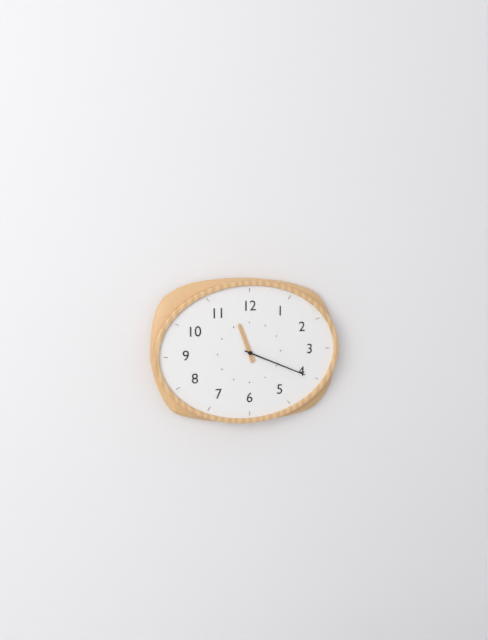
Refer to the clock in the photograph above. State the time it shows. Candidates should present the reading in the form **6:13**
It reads **11:19**
